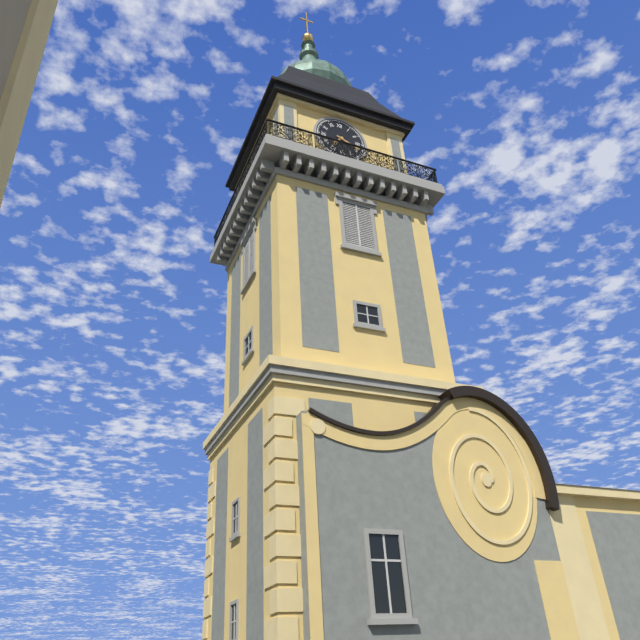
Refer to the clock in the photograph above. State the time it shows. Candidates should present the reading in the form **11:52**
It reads **7:19**
